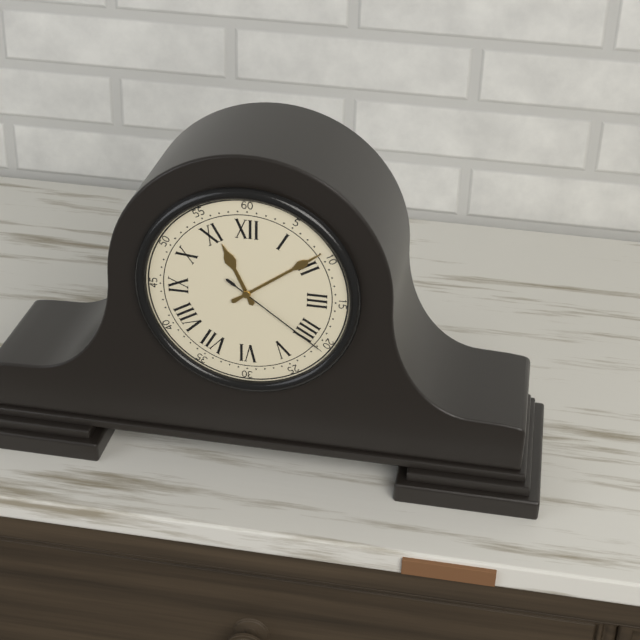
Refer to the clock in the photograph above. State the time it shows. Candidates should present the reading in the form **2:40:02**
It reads **11:09:21**
